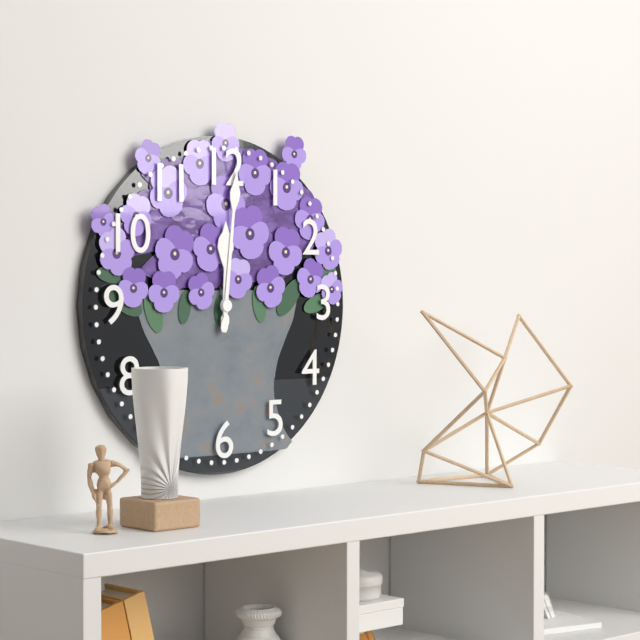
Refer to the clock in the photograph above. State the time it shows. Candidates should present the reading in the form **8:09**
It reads **12:01**
